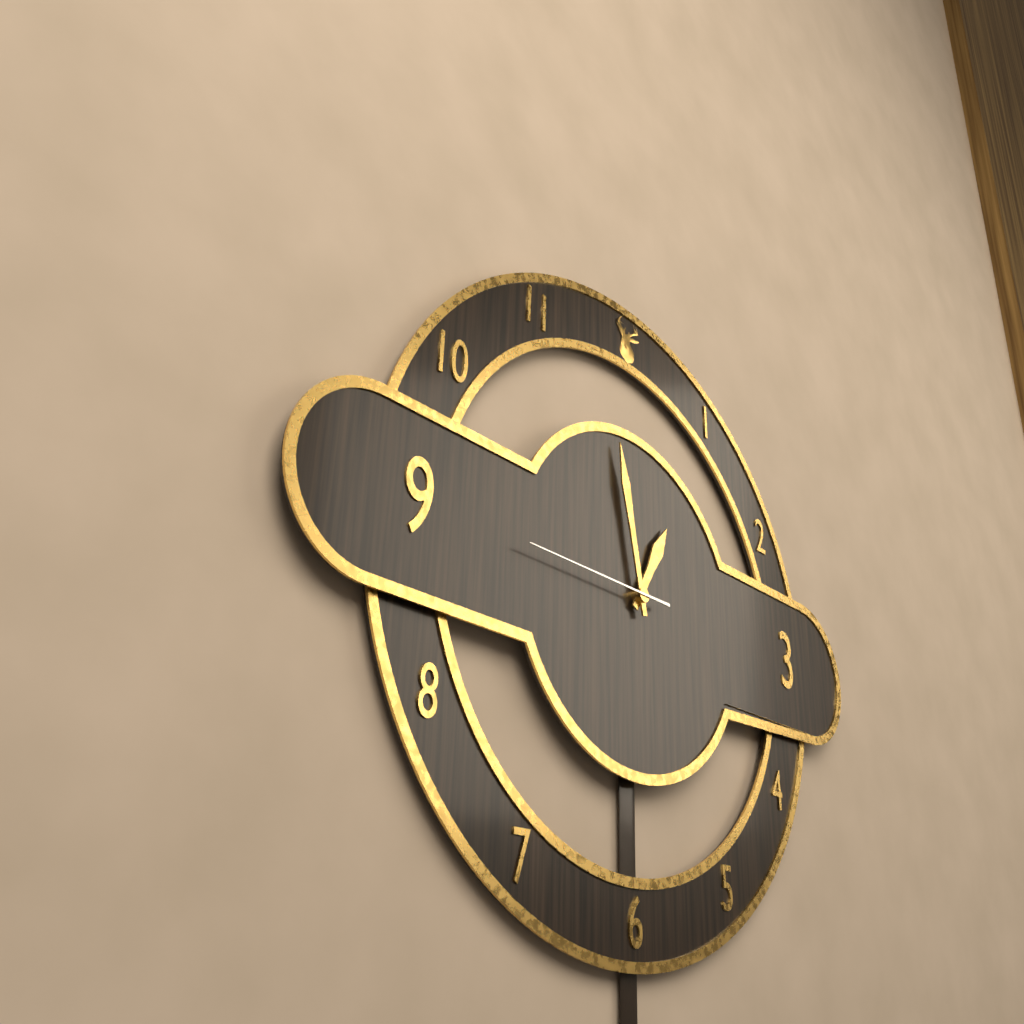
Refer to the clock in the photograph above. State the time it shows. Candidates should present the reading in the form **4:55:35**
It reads **12:58:45**
